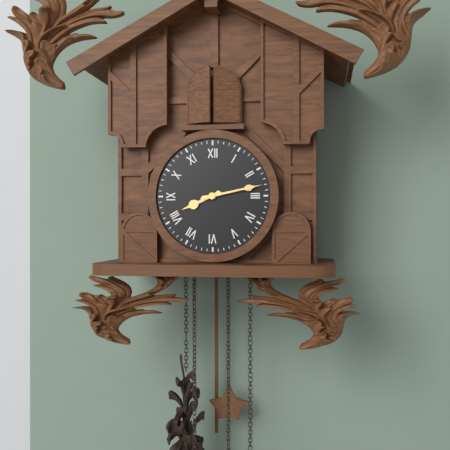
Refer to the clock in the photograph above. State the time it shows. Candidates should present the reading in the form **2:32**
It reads **8:13**
